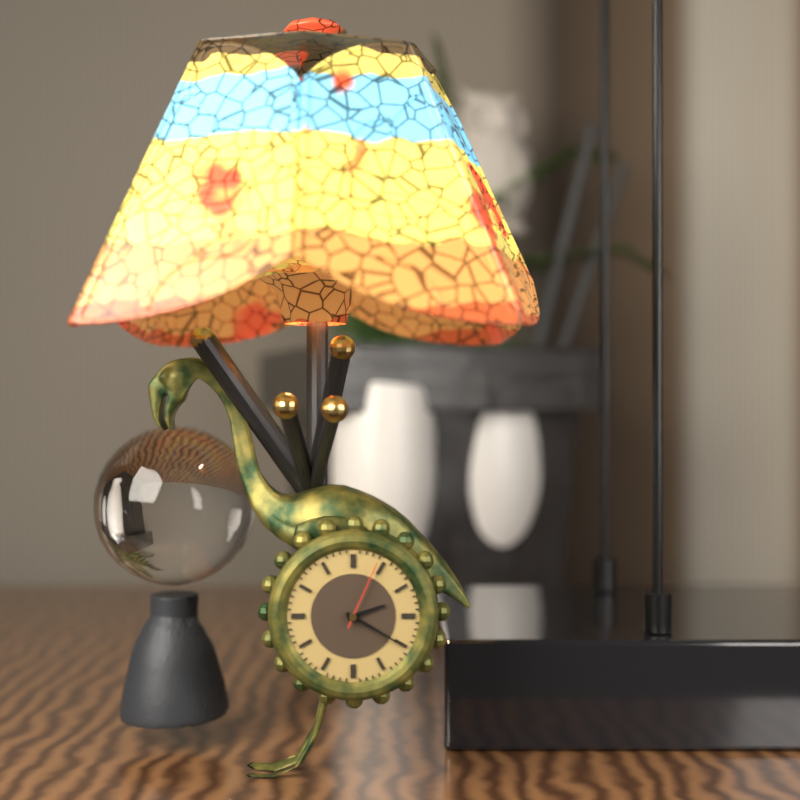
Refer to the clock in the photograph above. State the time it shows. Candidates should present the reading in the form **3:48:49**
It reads **2:20:04**
